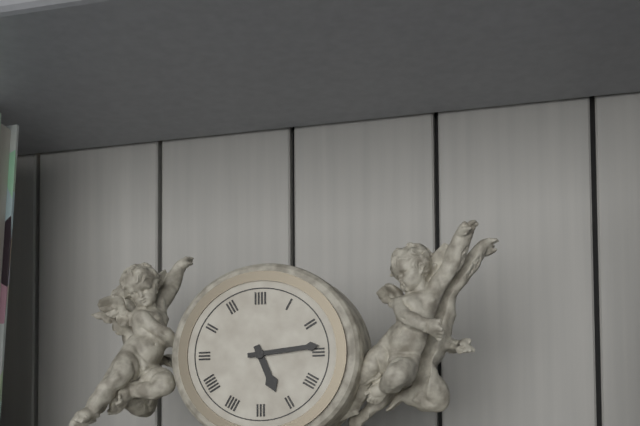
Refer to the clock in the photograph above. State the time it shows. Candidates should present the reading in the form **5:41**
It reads **5:14**
